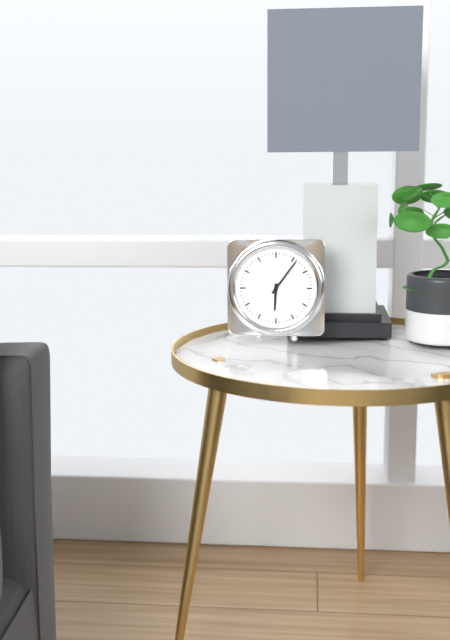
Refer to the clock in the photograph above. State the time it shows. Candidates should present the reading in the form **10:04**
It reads **6:06**
